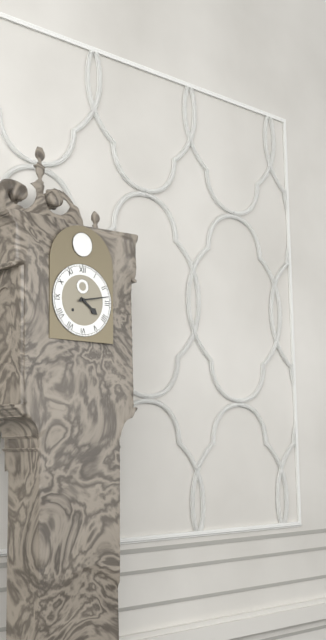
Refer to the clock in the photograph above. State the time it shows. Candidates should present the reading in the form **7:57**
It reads **4:13**
